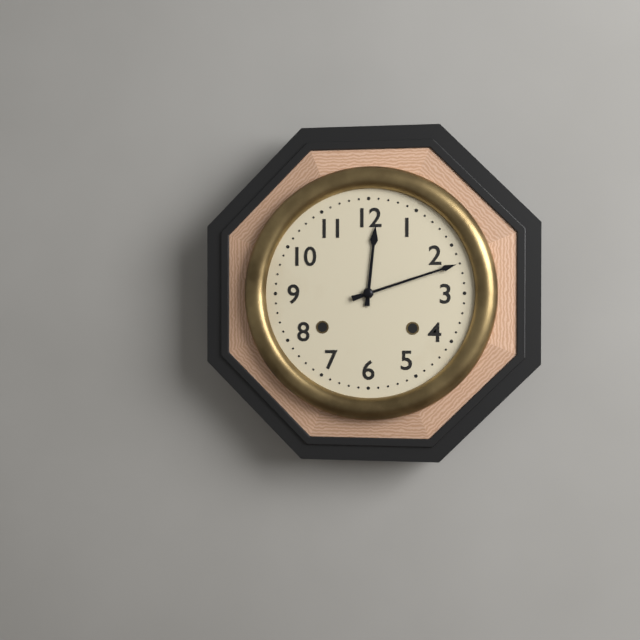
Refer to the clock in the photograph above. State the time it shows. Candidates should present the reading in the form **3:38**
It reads **12:12**
